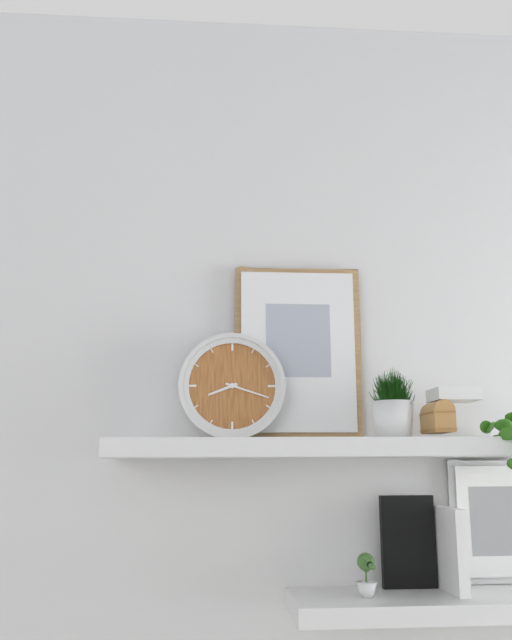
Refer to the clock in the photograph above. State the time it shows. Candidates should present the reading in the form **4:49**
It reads **8:18**
